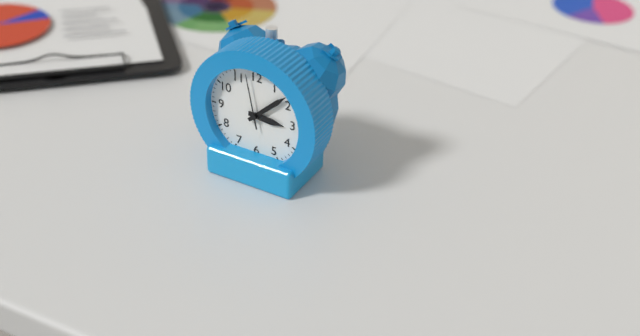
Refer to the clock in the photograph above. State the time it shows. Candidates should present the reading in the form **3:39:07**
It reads **3:08:58**
